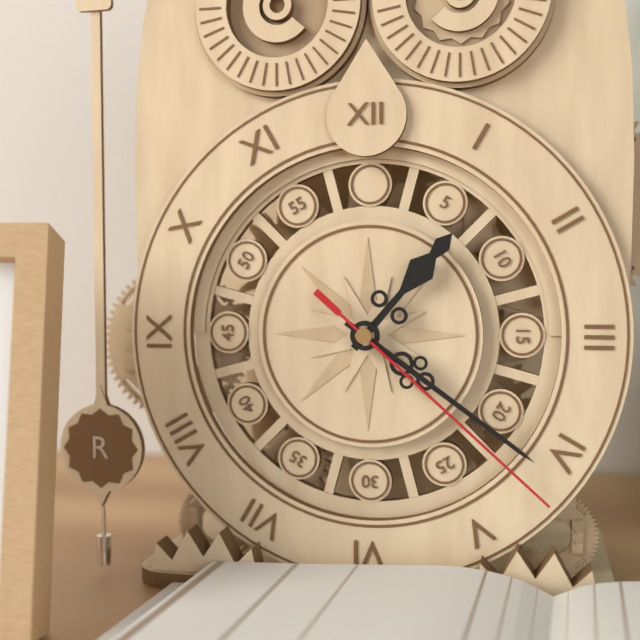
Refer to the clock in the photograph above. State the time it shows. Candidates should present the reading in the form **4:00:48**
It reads **1:21:22**
